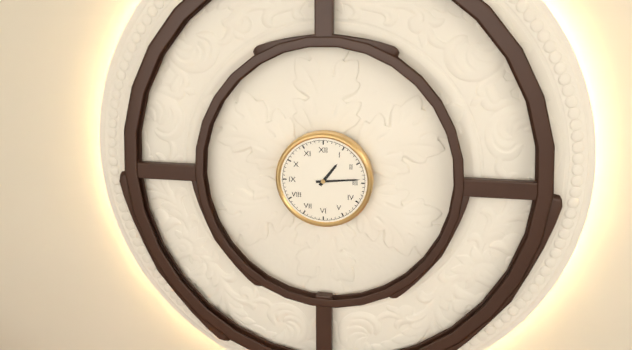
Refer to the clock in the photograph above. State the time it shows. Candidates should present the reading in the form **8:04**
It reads **1:14**
